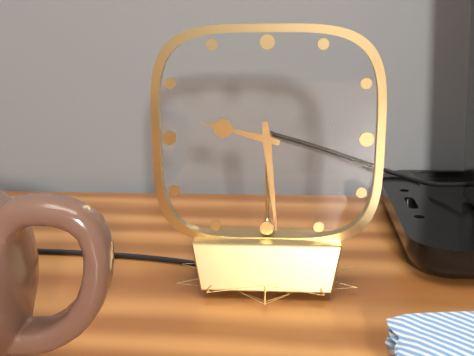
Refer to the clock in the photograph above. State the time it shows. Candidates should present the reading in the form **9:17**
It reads **9:29**
